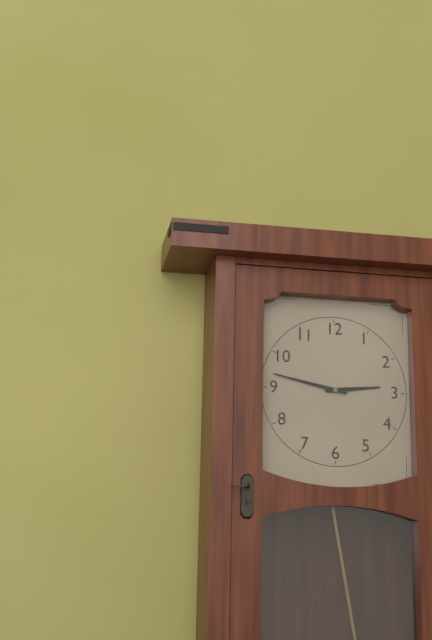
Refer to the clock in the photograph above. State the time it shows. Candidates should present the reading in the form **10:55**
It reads **2:47**
